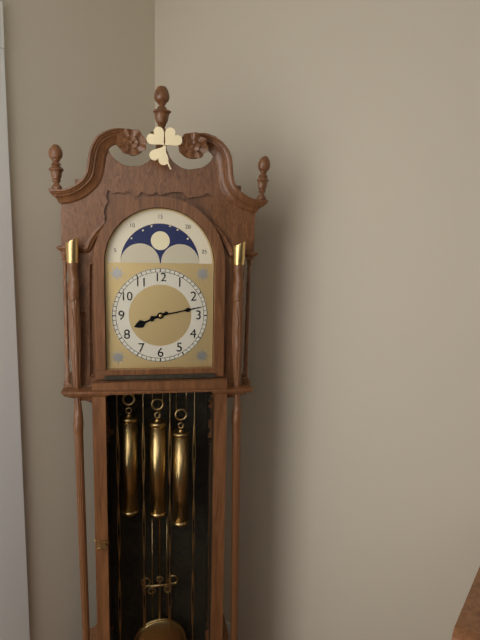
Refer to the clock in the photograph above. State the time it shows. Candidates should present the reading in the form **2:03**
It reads **8:13**
